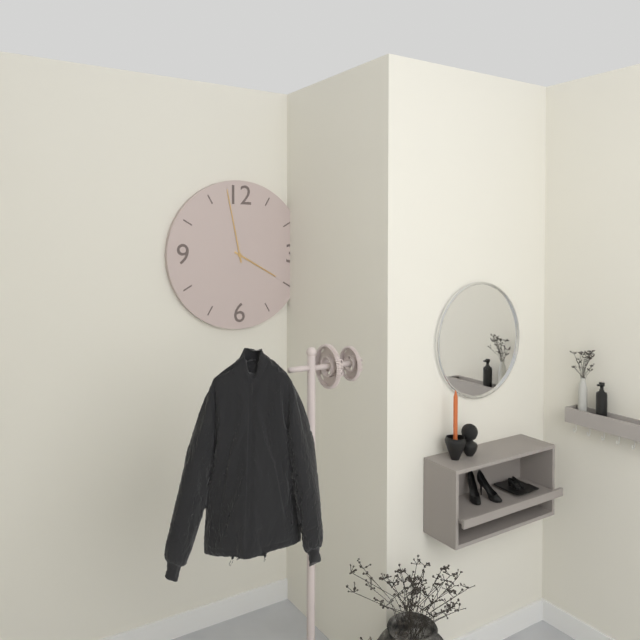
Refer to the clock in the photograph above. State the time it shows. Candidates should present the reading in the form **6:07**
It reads **3:58**
